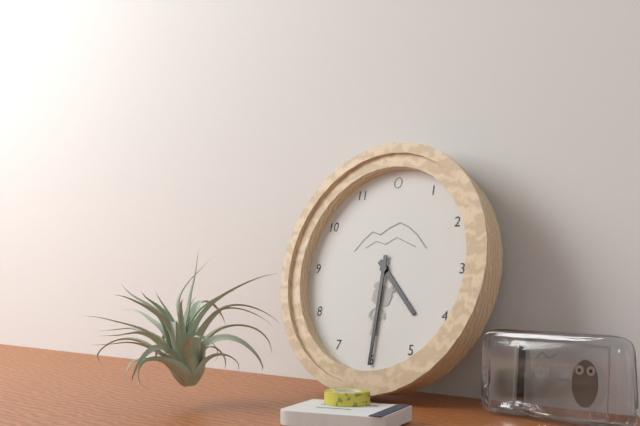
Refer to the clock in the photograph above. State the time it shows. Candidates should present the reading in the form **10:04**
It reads **4:30**
